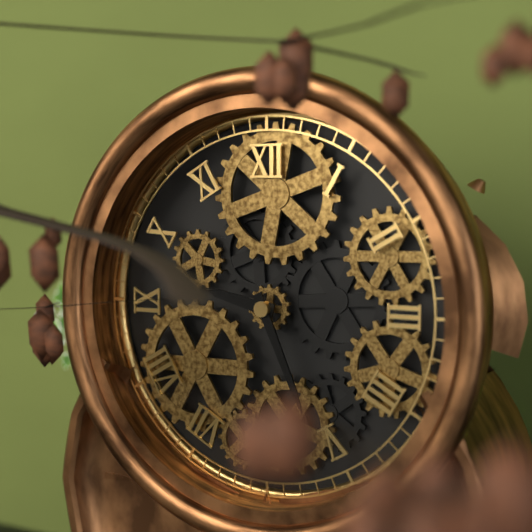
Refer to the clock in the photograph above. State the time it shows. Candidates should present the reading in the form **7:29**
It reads **9:26**
